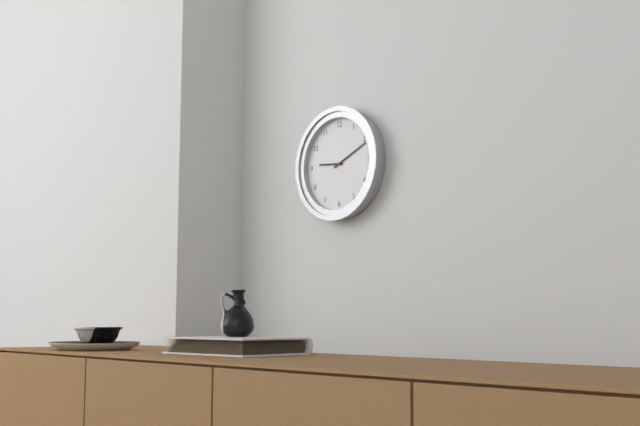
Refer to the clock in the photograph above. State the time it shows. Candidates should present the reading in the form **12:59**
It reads **9:11**
